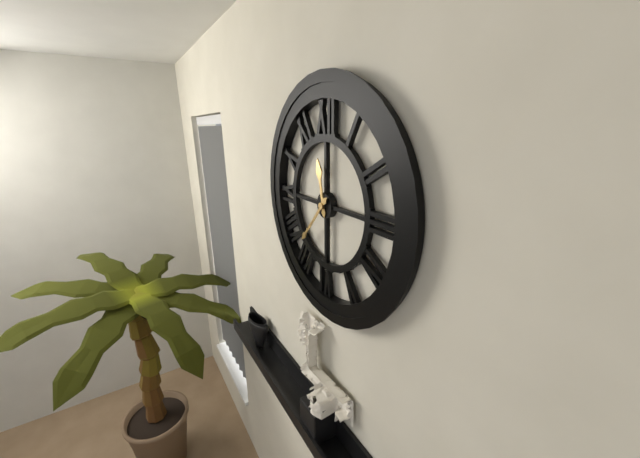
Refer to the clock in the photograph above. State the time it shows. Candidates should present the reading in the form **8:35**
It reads **11:37**
